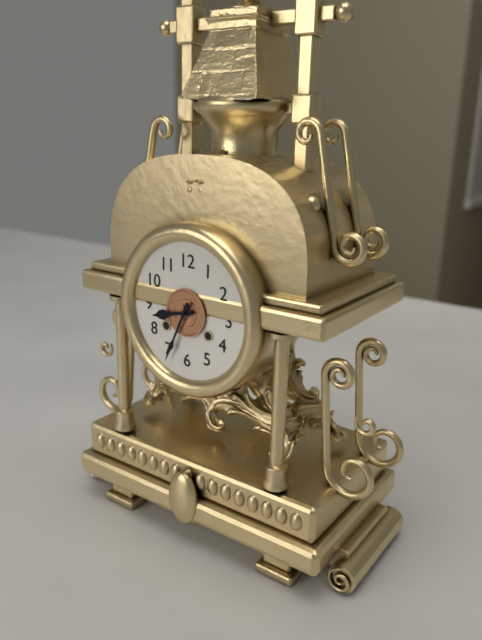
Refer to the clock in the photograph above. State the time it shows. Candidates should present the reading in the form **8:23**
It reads **8:34**
